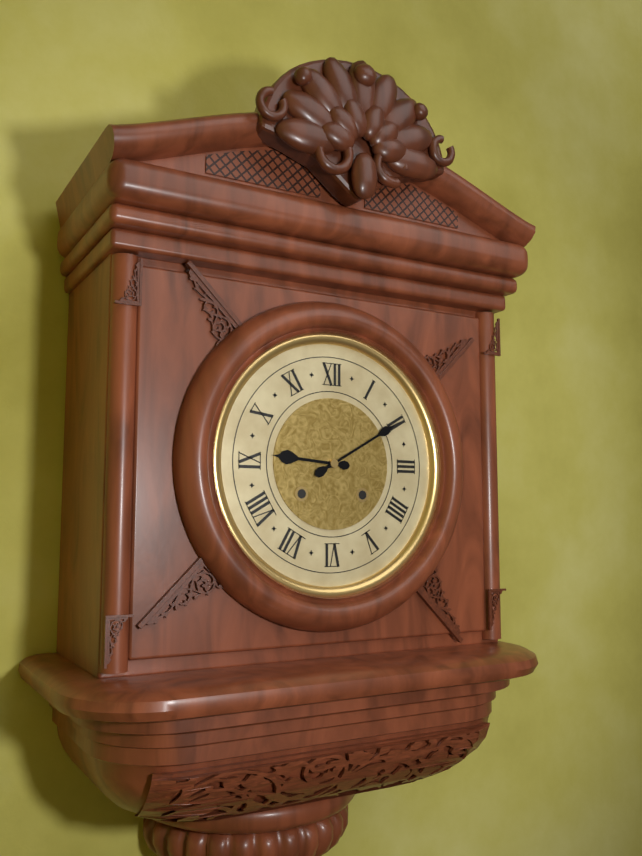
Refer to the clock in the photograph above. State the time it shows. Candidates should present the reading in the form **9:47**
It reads **9:10**
